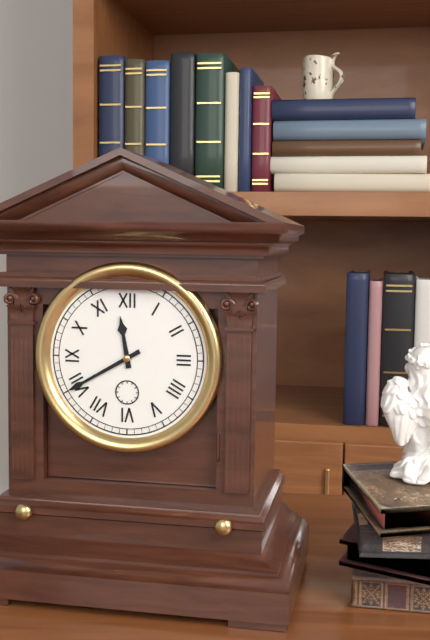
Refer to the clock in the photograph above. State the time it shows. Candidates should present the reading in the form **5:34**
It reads **11:40**
